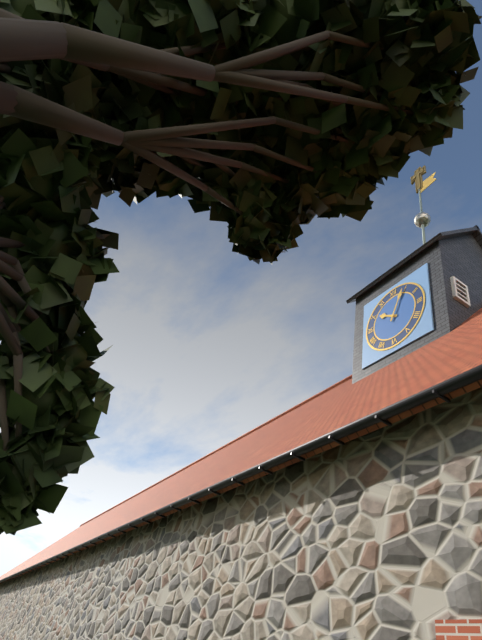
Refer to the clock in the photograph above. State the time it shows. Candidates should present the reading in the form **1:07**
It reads **10:04**
